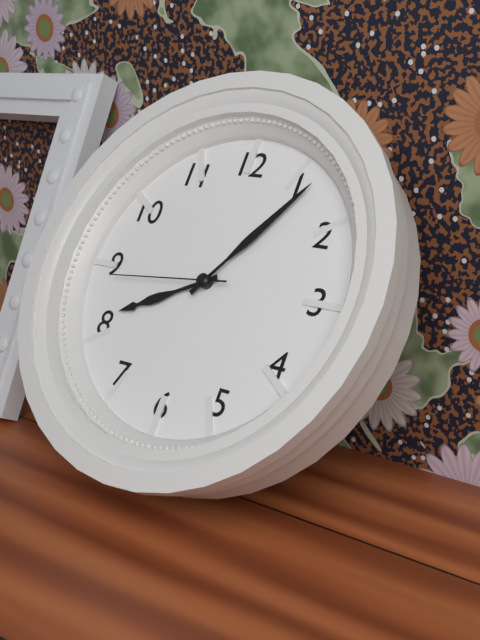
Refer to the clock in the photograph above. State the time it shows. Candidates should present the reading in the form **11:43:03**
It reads **8:06:44**
